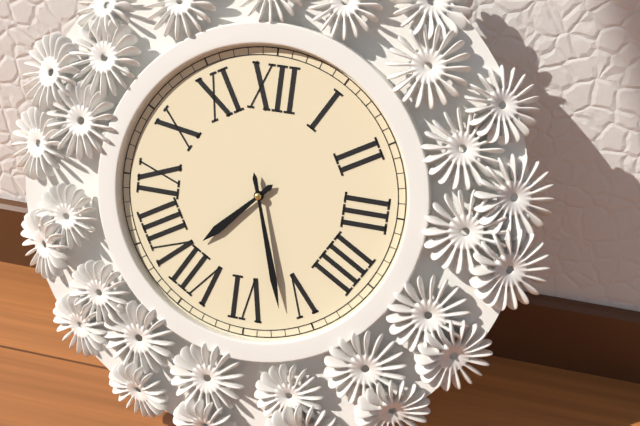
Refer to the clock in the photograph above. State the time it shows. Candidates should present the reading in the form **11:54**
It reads **7:27**
